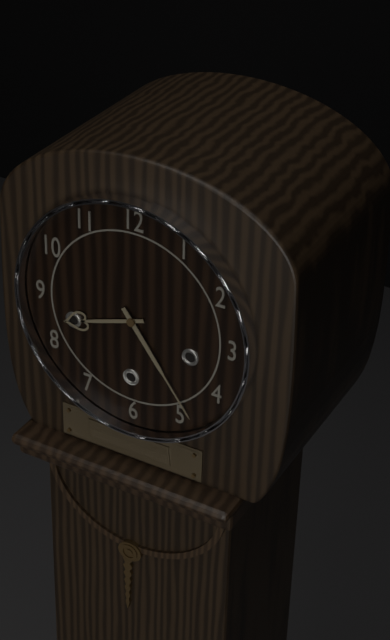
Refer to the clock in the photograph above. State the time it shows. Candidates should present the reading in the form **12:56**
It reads **8:24**
